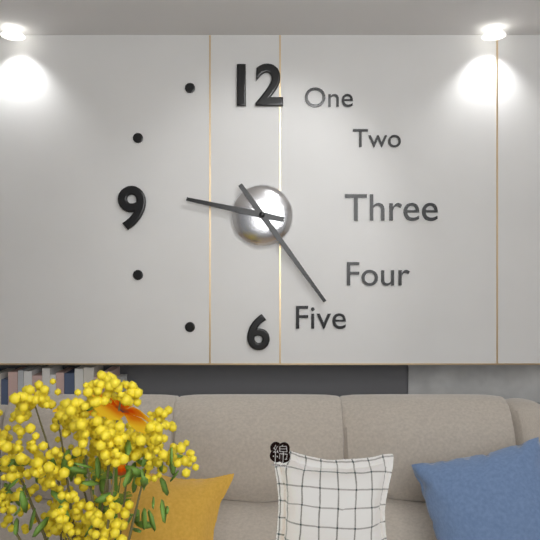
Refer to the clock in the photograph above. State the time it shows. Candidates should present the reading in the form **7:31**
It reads **9:24**
